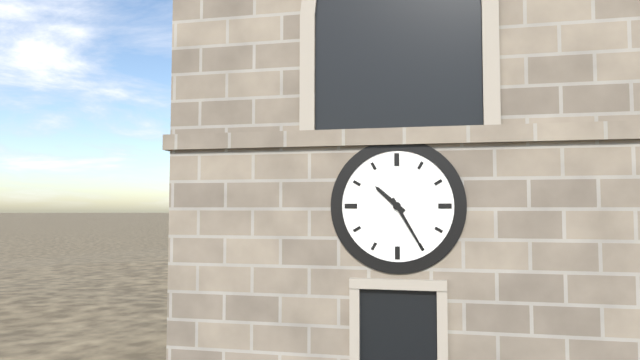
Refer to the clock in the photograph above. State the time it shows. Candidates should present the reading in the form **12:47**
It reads **10:25**
